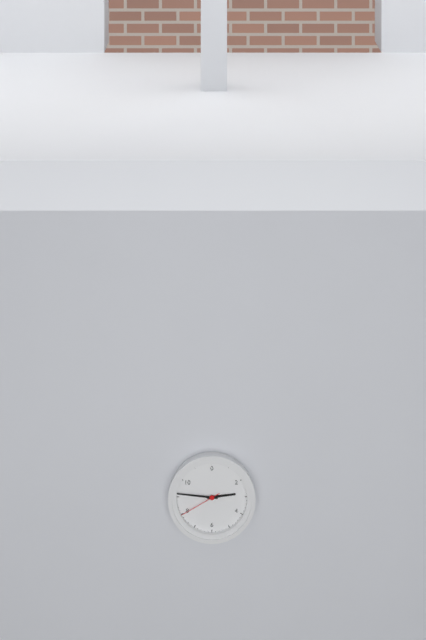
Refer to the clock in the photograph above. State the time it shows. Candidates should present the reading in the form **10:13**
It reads **2:46**
